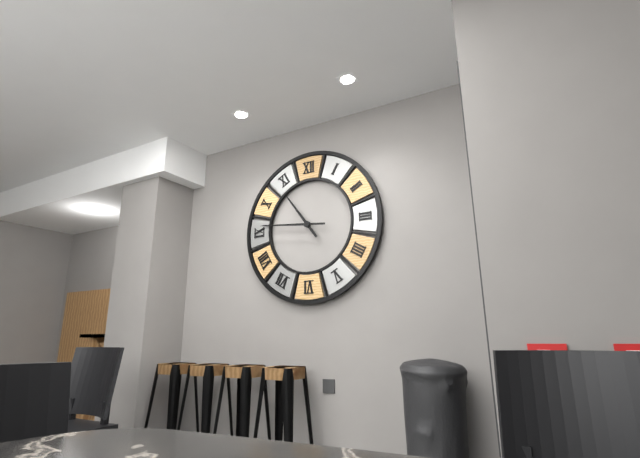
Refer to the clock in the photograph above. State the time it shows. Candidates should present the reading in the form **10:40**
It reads **10:46**
